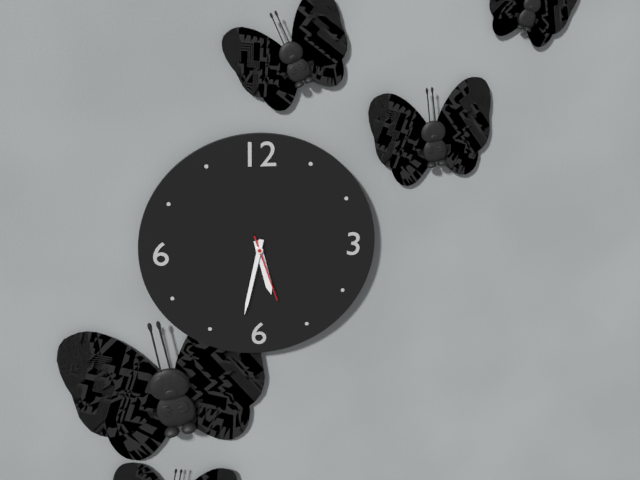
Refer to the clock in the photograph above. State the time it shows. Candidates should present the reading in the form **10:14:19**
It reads **5:32:27**
